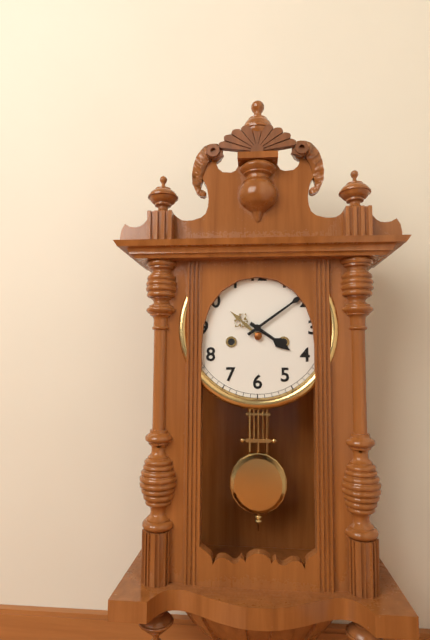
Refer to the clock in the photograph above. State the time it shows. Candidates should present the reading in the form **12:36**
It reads **4:09**
